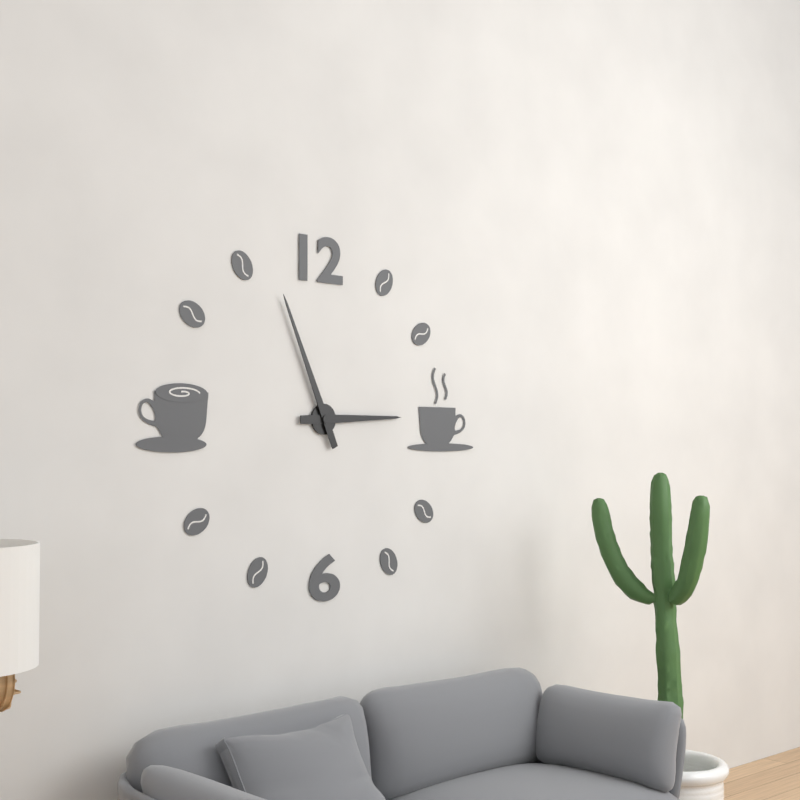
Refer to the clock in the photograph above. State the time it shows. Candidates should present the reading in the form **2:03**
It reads **2:56**
